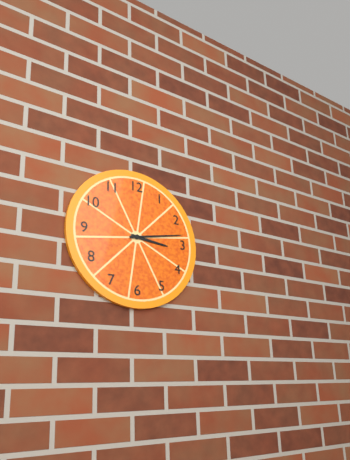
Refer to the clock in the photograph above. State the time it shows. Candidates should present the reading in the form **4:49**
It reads **3:13**
